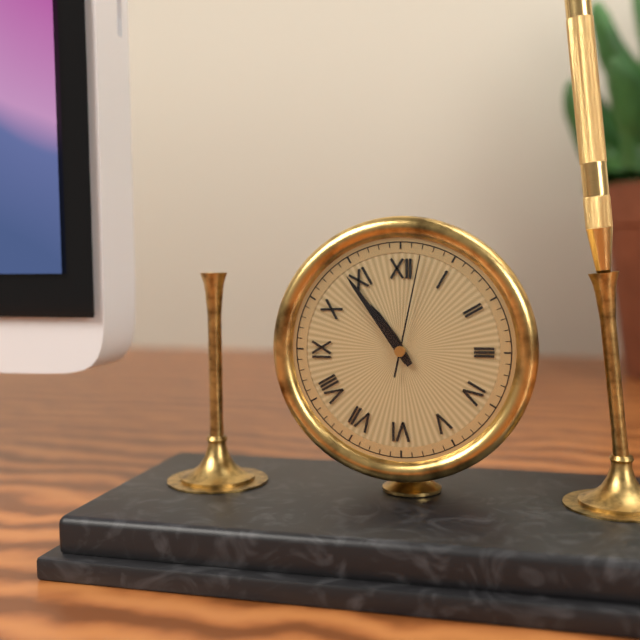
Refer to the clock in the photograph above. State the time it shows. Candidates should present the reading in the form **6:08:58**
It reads **10:54:02**
